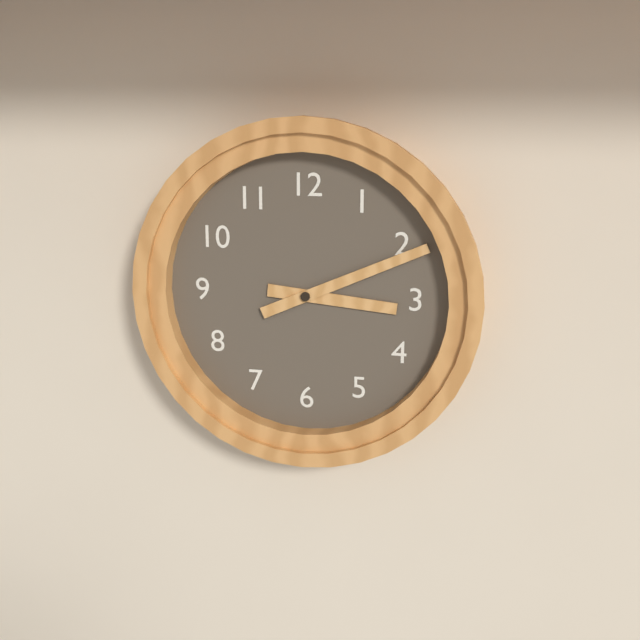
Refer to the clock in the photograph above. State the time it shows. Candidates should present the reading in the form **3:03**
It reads **3:11**
